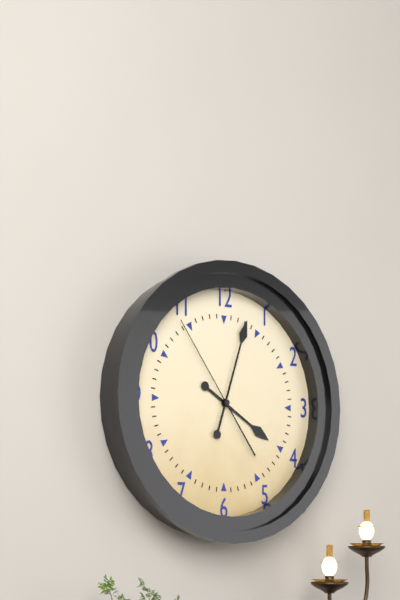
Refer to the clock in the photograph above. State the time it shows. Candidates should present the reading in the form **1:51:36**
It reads **4:03:54**
